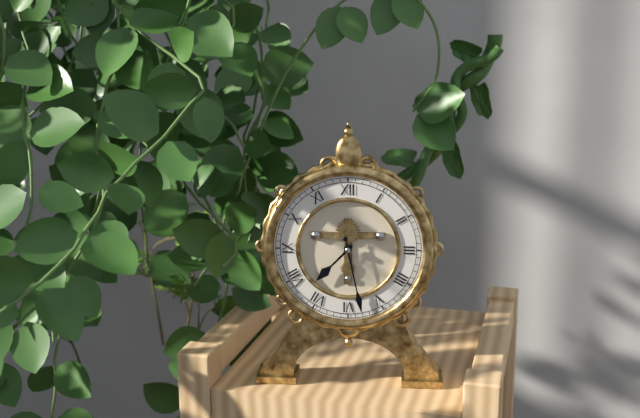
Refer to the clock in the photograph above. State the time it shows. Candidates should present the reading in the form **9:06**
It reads **7:28**
